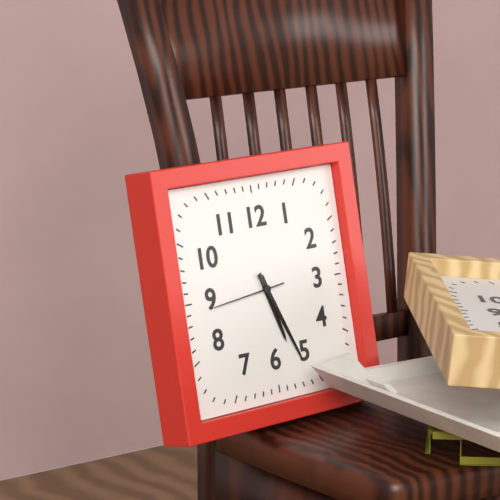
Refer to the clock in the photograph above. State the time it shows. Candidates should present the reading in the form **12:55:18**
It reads **5:26:44**
